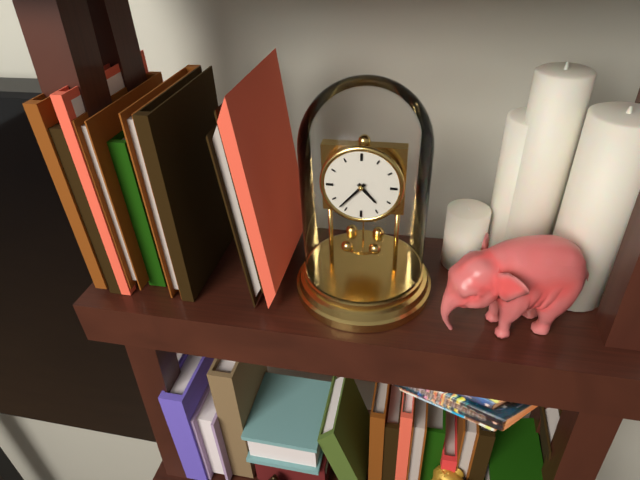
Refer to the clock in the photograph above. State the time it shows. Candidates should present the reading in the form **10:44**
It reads **4:37**
